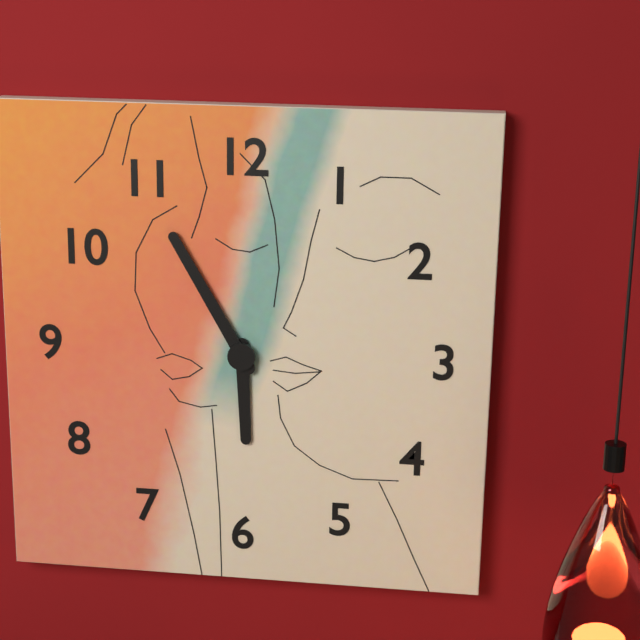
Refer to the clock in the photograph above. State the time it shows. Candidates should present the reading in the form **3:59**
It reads **5:55**
